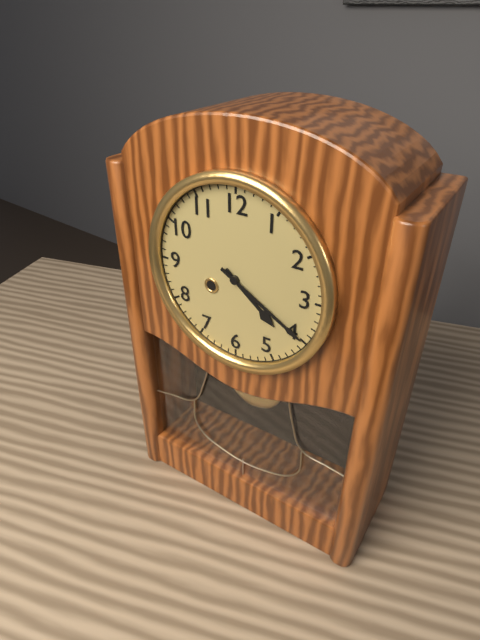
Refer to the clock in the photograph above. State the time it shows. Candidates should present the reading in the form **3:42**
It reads **4:20**
